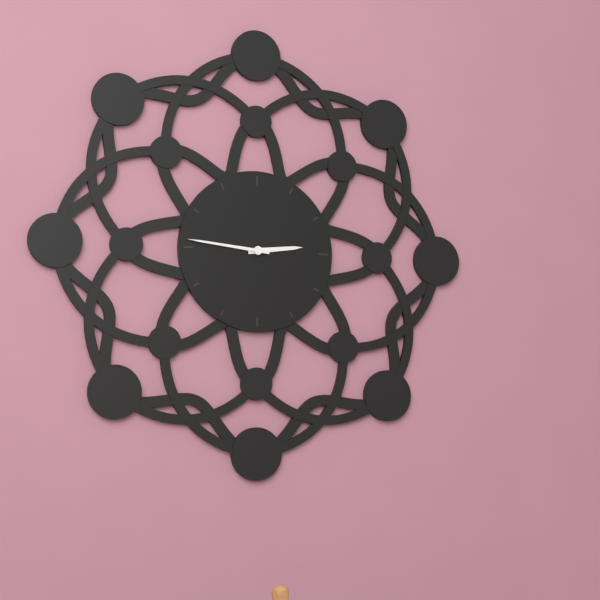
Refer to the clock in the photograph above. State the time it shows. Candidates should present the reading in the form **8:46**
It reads **2:46**
